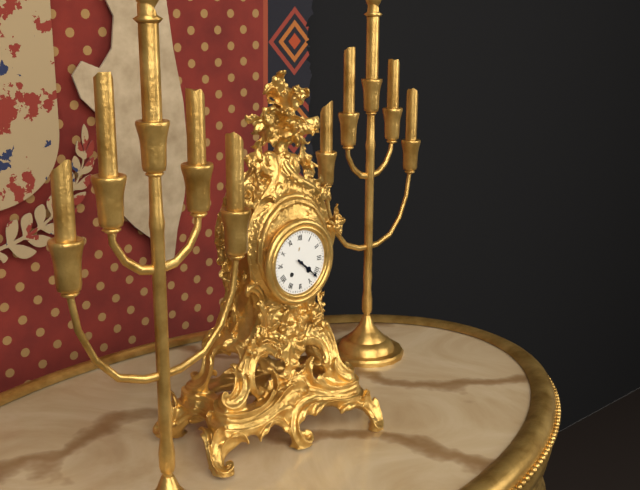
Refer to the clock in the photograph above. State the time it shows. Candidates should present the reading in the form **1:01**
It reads **4:22**
